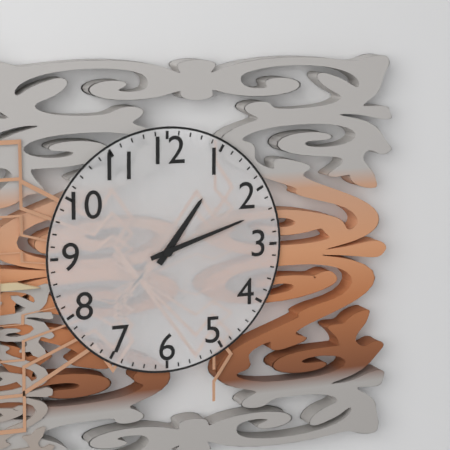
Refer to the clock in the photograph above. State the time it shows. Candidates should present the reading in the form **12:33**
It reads **1:12**
